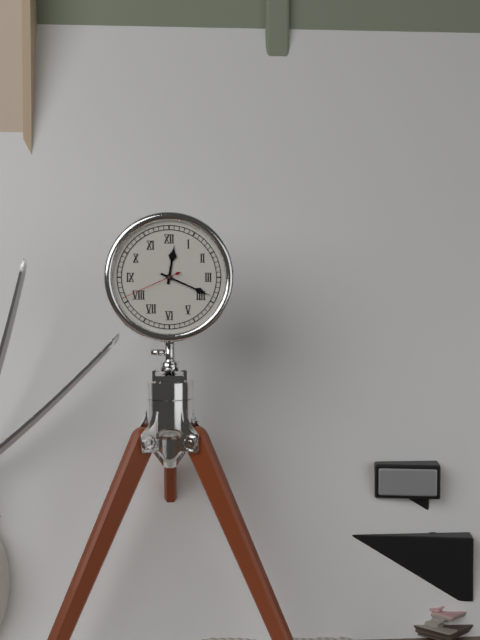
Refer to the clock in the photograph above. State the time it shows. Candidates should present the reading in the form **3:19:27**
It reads **12:19:41**
